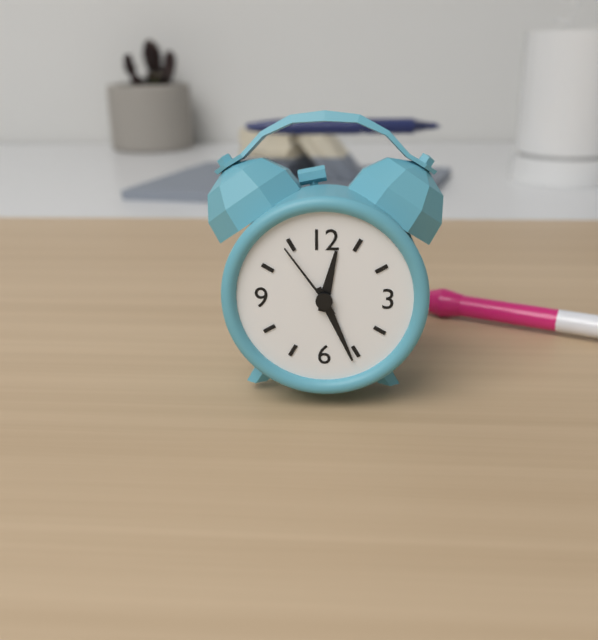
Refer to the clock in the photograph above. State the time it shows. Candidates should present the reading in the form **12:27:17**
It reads **12:26:54**
